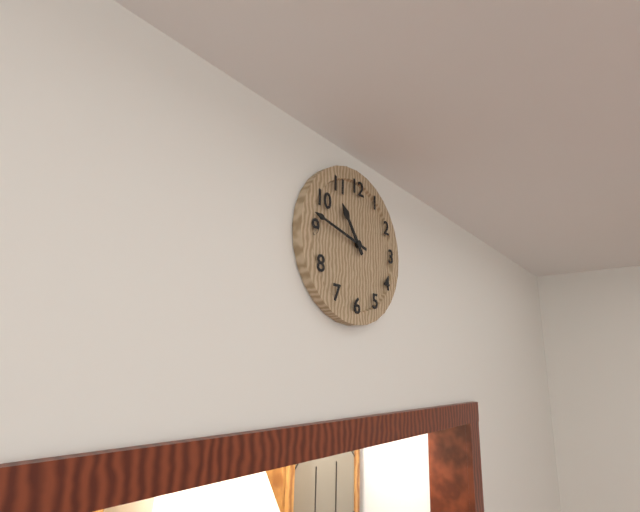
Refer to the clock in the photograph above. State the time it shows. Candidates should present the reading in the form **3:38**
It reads **10:47**
